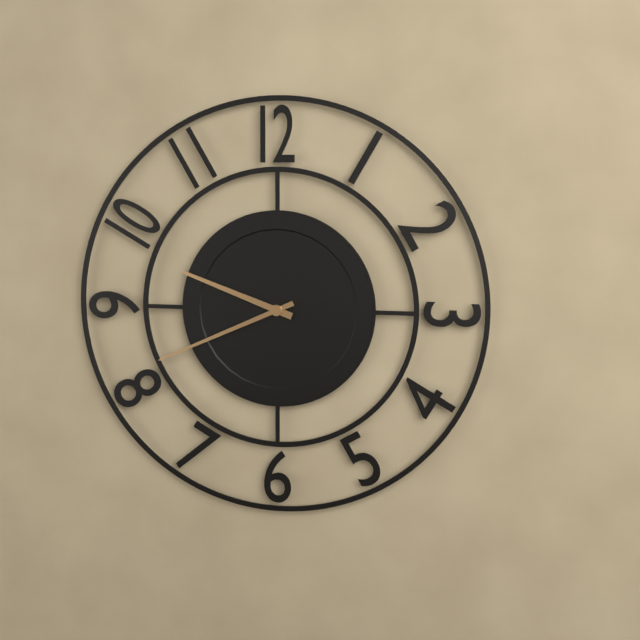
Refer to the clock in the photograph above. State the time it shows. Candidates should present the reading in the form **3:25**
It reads **9:41**
